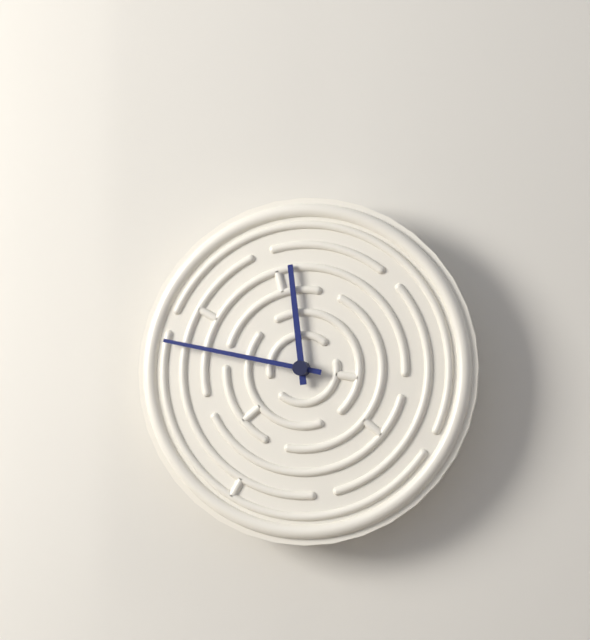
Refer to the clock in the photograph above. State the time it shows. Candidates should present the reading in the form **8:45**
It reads **11:47**
